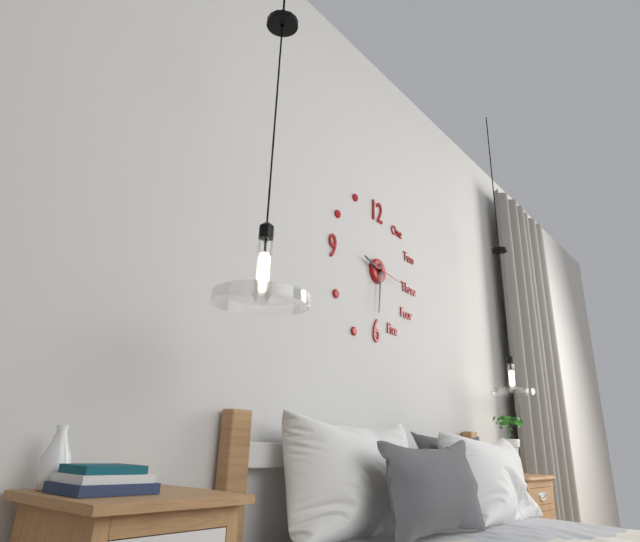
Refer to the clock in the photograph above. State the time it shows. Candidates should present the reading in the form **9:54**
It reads **9:31**
